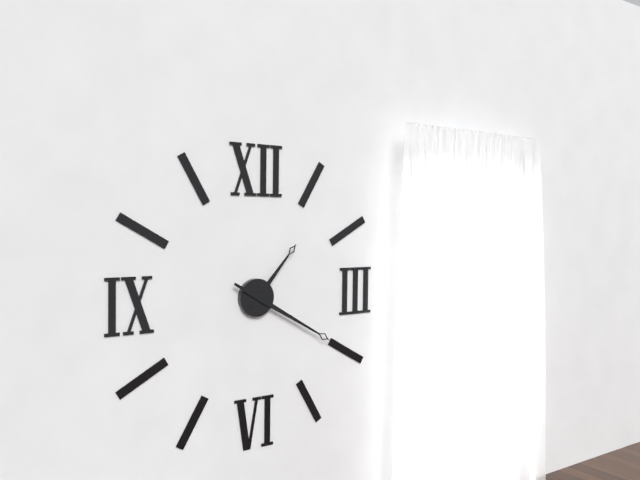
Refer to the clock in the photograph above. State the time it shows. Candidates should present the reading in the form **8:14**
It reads **1:20**
